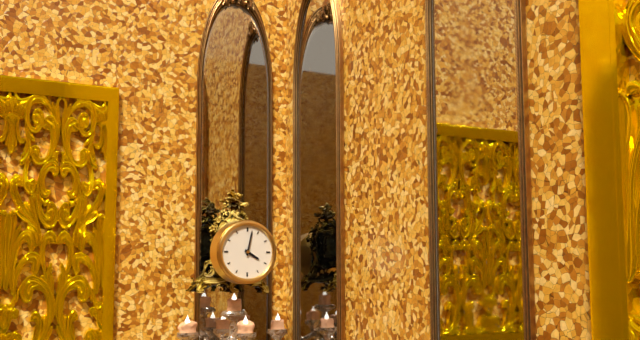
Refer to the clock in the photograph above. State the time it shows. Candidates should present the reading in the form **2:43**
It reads **4:02**
